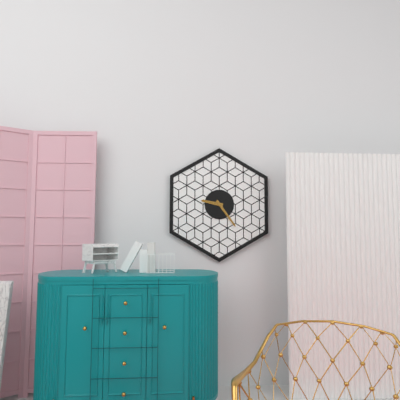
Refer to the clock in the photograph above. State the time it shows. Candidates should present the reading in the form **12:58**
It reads **9:24**
